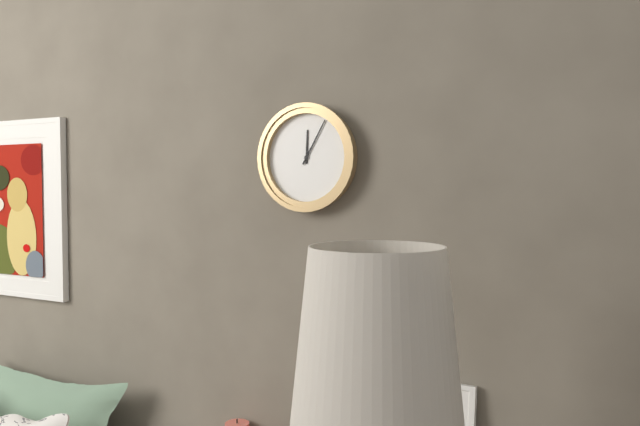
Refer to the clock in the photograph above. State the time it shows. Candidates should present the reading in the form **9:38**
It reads **12:05**
